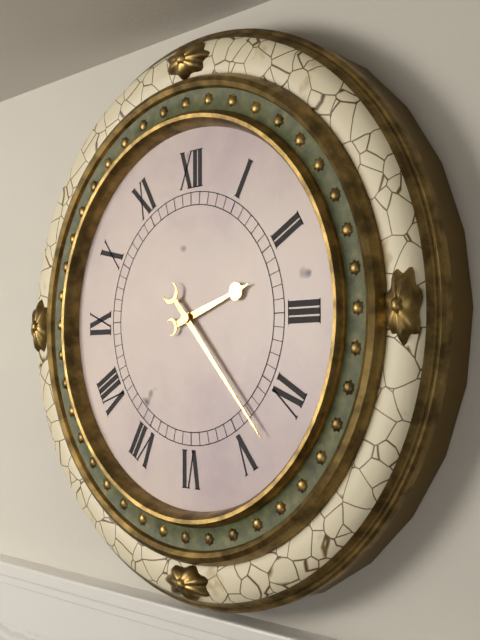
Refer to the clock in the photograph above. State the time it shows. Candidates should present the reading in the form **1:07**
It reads **2:23**
